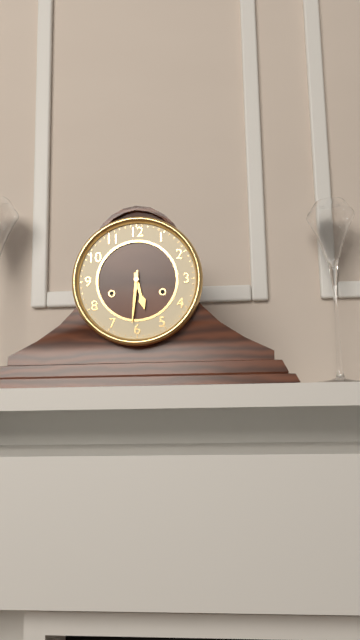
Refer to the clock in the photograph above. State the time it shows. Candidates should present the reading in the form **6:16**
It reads **5:31**
